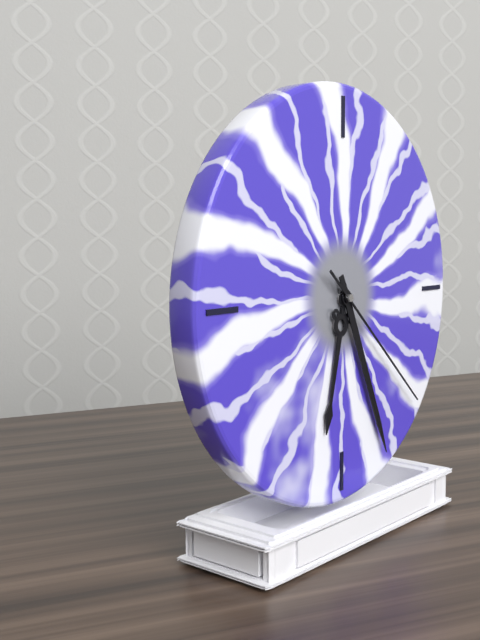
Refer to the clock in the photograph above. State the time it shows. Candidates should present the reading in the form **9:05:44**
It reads **6:26:22**
